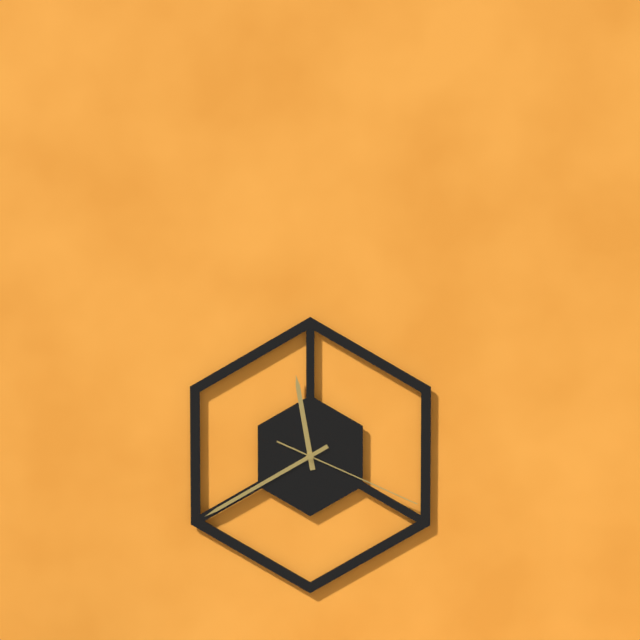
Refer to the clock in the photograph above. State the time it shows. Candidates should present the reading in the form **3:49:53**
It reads **11:40:19**
